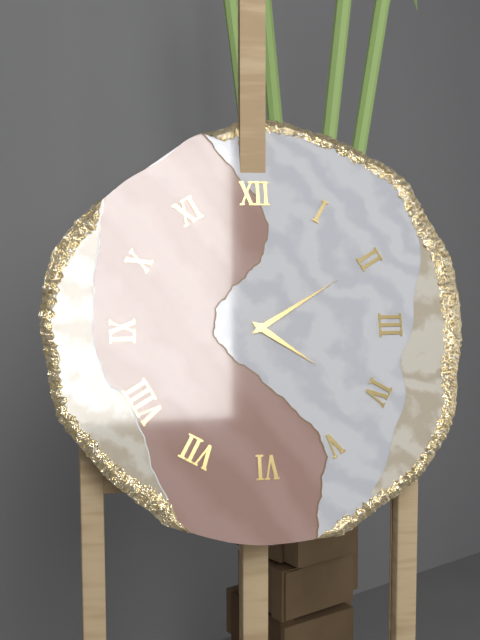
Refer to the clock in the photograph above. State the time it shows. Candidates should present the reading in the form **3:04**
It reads **4:10**
